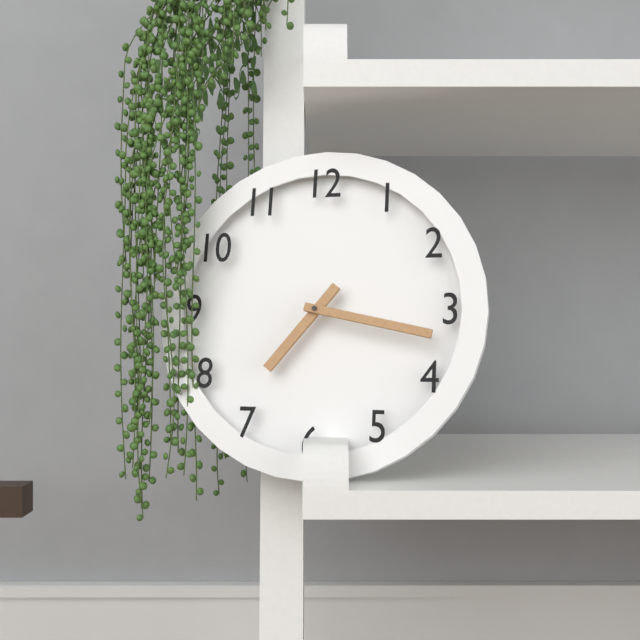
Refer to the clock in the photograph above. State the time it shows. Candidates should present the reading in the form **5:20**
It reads **7:17**
